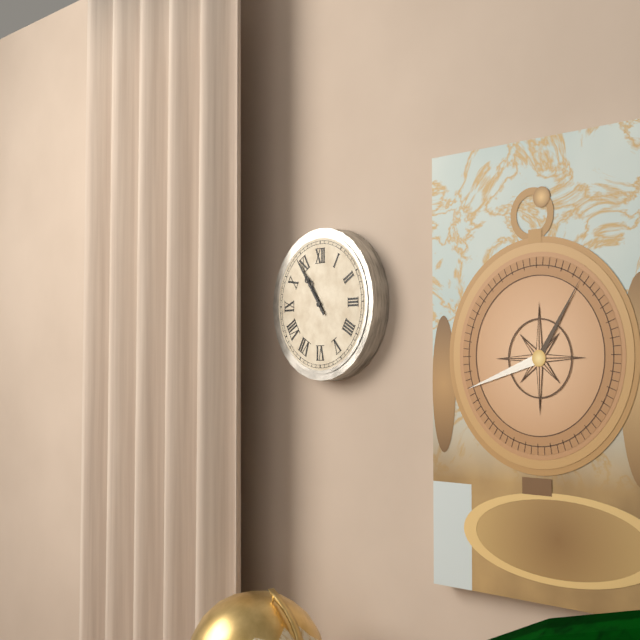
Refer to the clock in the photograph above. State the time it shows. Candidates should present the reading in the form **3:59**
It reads **10:54**
